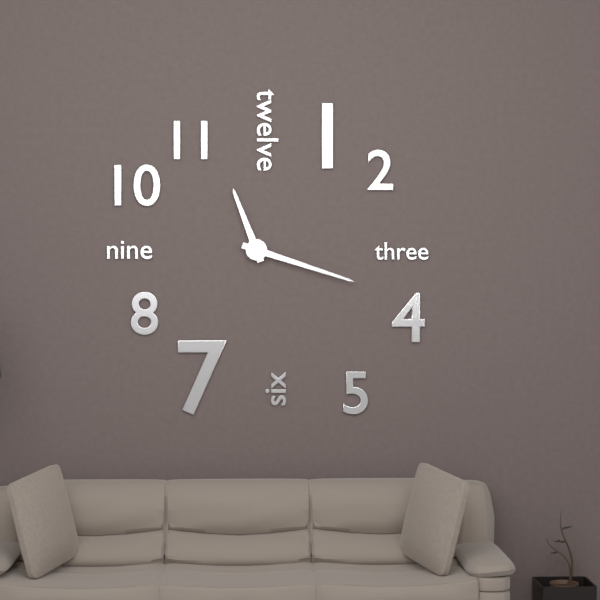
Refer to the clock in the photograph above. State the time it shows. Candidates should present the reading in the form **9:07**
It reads **11:18**
